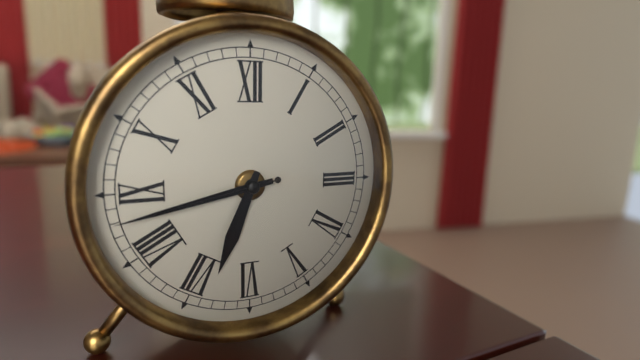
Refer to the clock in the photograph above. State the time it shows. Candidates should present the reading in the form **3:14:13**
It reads **6:43:43**
